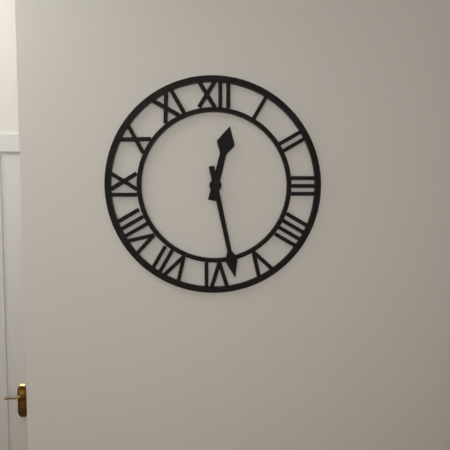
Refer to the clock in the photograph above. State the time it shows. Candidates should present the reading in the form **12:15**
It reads **12:28**
